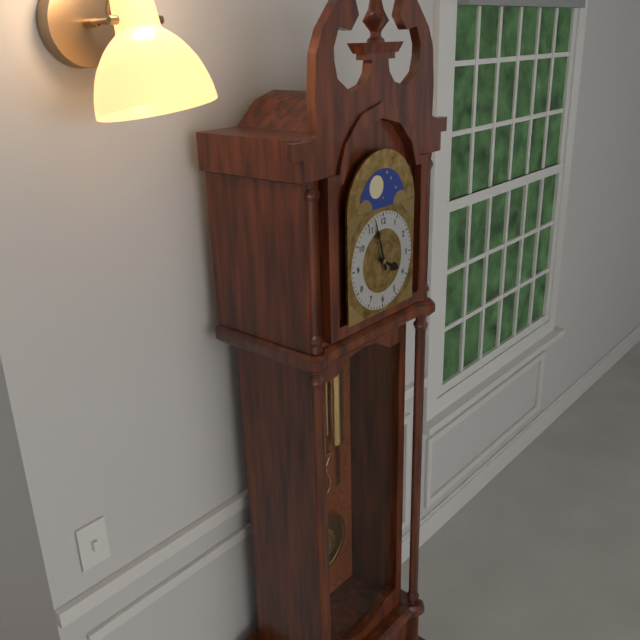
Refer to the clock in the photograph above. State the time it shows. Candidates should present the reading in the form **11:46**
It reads **3:57**
